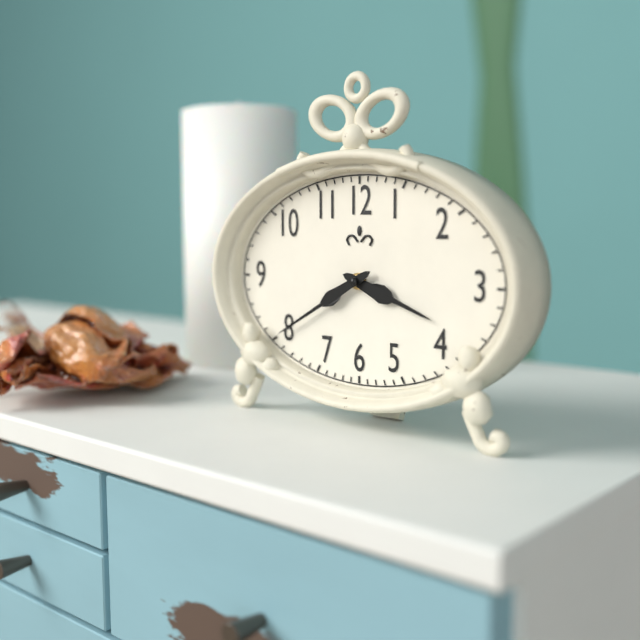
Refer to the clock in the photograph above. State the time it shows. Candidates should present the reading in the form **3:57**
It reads **3:40**
